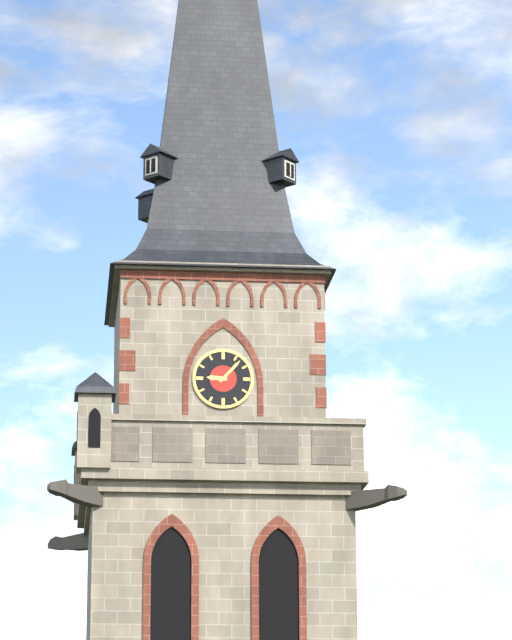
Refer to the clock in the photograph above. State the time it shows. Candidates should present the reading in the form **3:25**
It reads **9:07**
